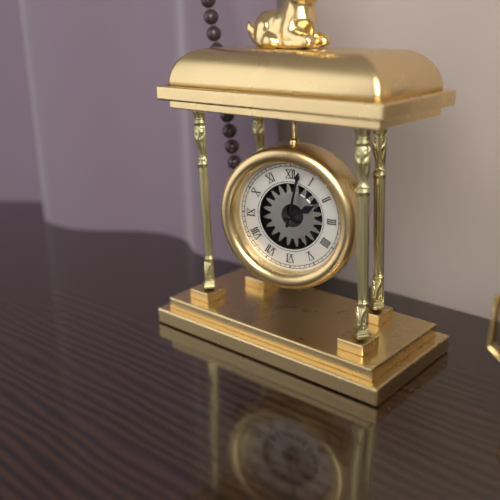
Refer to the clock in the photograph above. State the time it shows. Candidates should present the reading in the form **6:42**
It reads **2:02**
